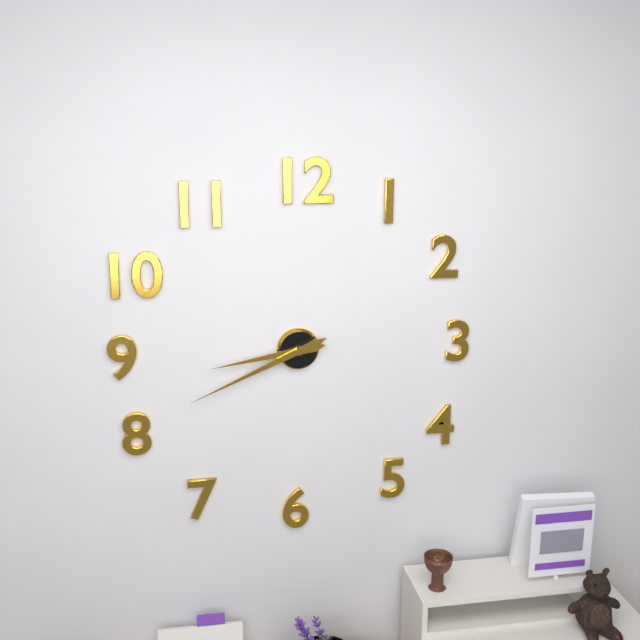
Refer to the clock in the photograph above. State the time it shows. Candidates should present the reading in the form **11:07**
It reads **8:41**
